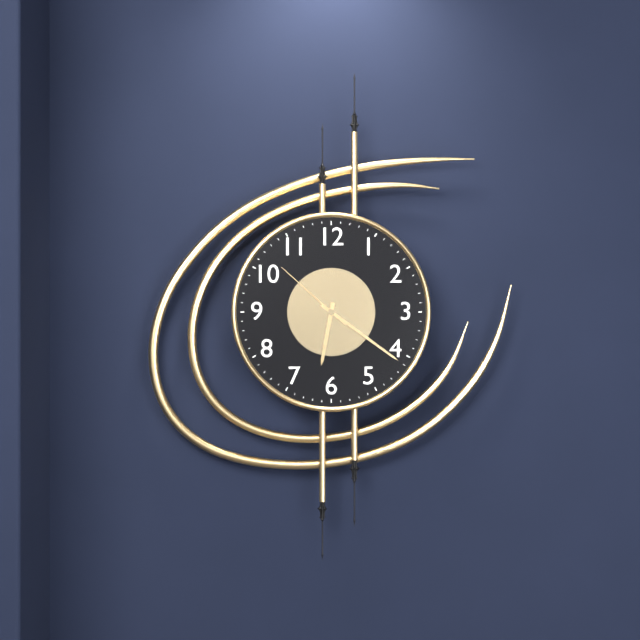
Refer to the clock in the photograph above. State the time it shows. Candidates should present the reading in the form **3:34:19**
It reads **6:21:52**
